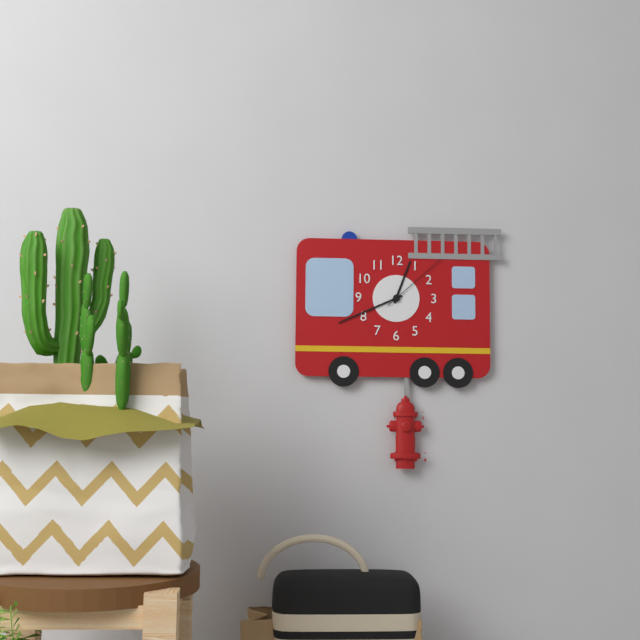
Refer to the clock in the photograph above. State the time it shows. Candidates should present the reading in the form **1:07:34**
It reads **12:41:08**
